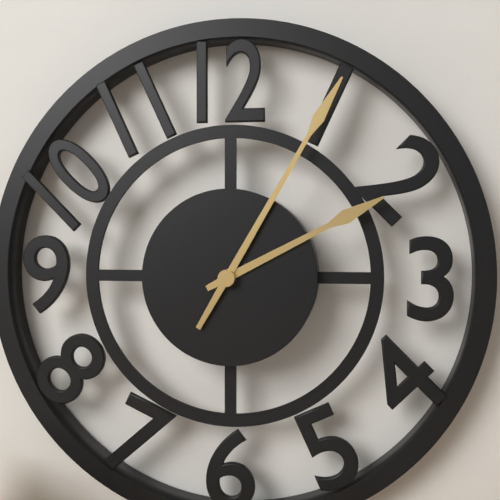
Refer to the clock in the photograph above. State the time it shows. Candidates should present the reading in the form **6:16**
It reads **2:05**
